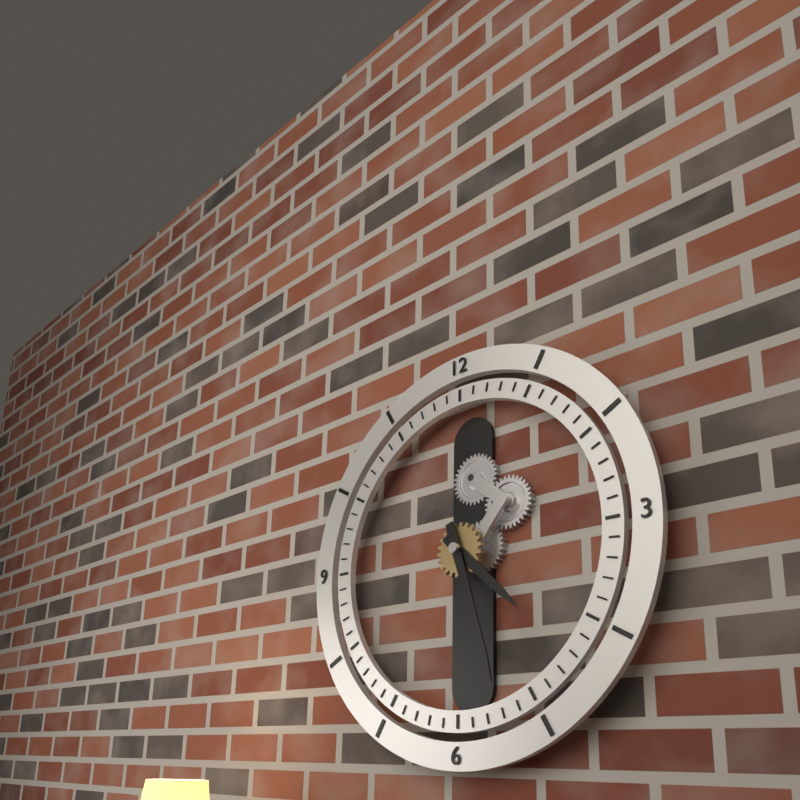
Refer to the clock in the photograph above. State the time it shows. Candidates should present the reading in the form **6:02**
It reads **4:27**
